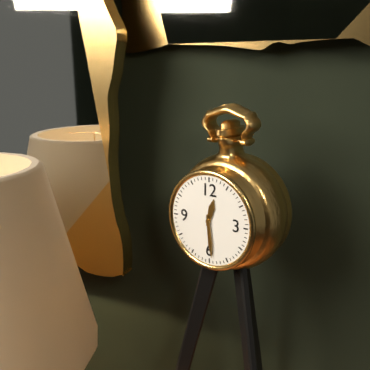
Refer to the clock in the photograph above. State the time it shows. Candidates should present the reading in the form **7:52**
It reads **12:29**
